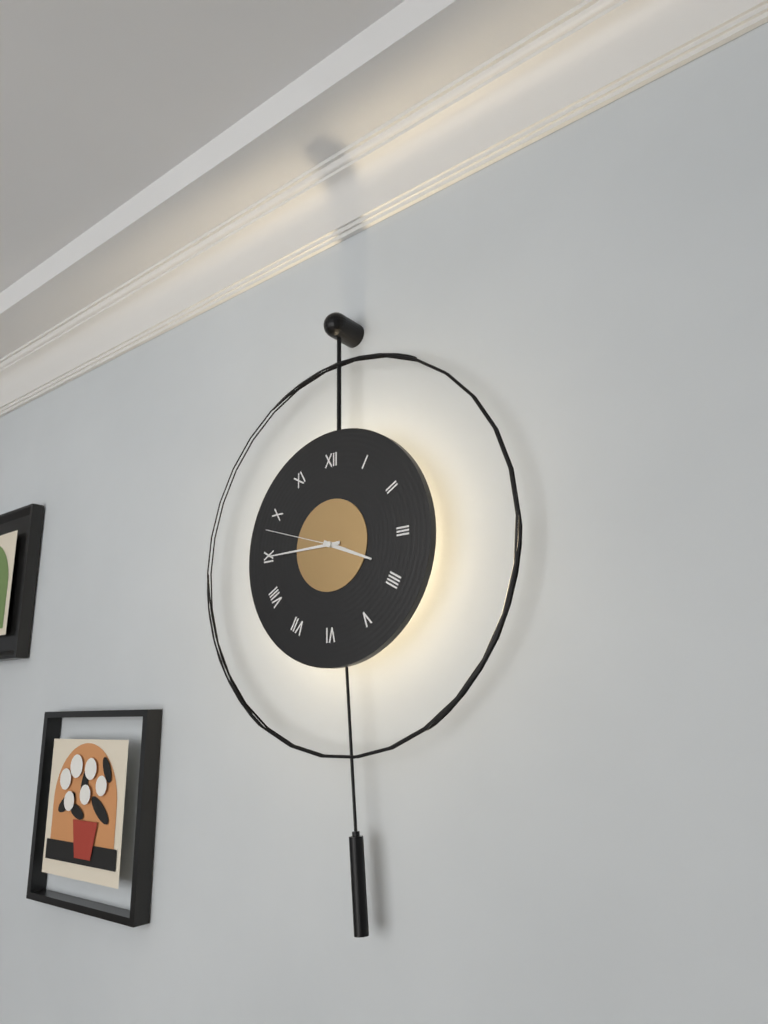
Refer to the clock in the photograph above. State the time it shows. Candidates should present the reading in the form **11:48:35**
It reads **3:45:48**
